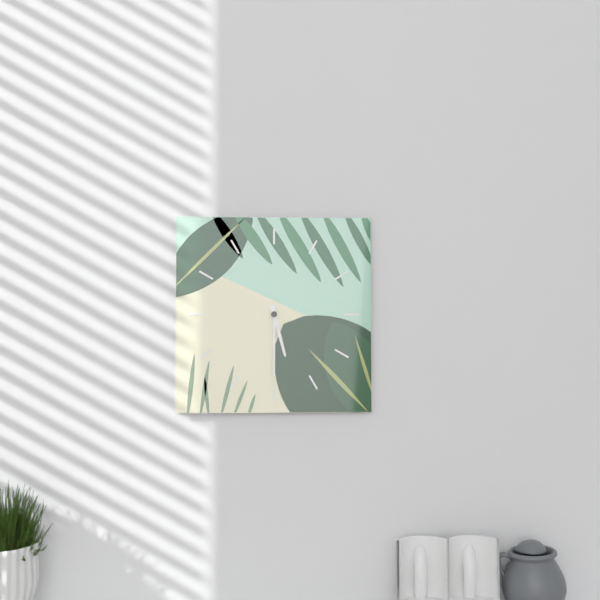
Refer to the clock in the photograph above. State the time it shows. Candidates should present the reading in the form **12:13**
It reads **5:30**
